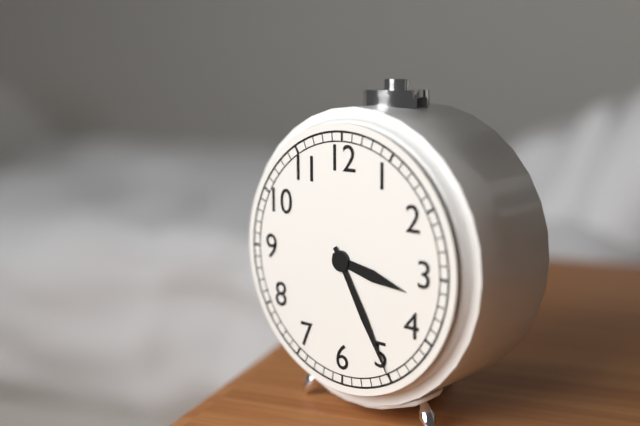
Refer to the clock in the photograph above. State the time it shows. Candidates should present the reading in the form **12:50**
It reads **3:25**
